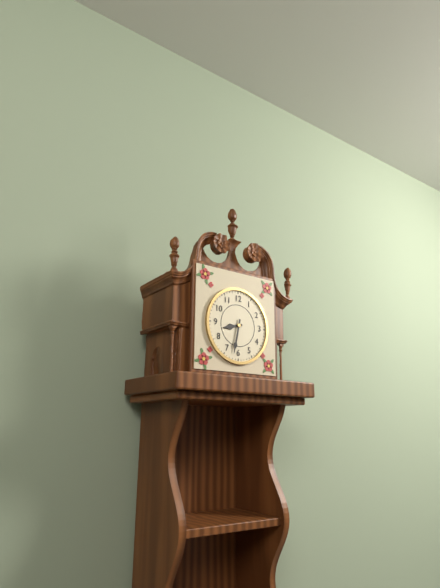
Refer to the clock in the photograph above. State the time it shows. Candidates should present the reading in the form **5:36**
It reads **8:32**
